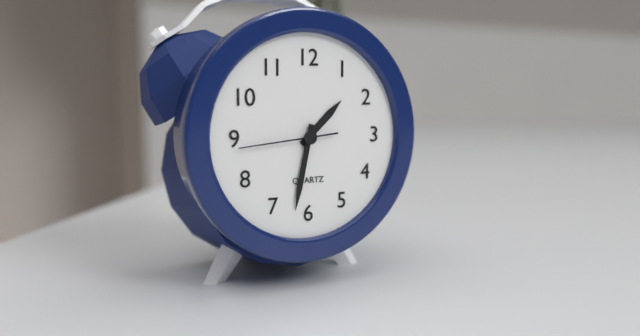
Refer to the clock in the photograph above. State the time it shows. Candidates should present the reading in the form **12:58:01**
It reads **1:32:44**
